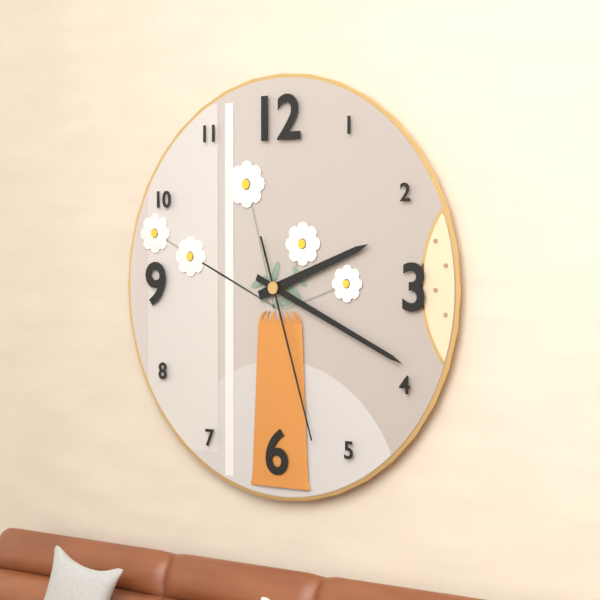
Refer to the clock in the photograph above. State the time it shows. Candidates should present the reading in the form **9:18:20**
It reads **2:19:27**
